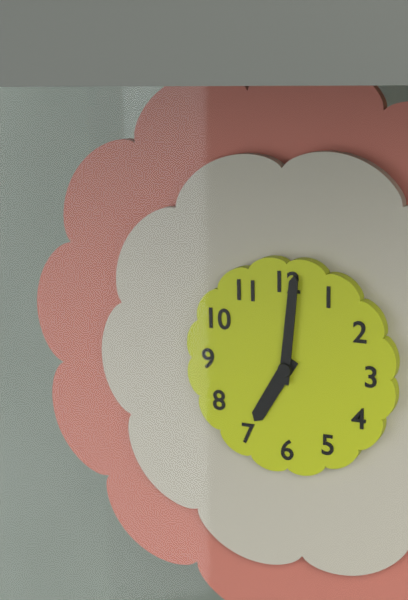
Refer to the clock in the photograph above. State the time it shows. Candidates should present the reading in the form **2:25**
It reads **7:01**
